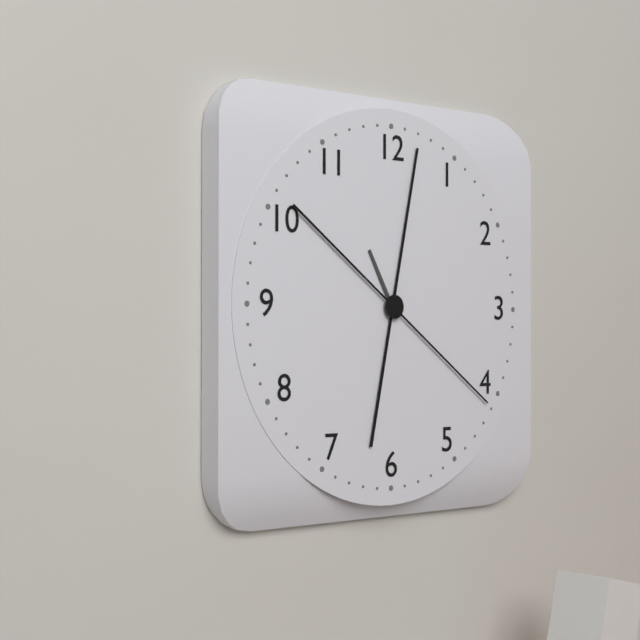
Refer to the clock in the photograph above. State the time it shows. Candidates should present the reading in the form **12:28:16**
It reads **11:02:21**
